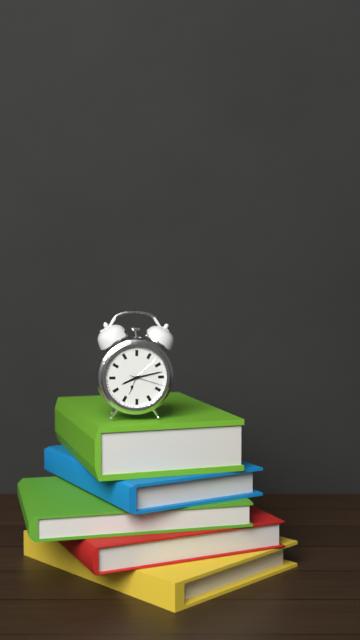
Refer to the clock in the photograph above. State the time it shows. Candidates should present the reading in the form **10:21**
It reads **8:13**
